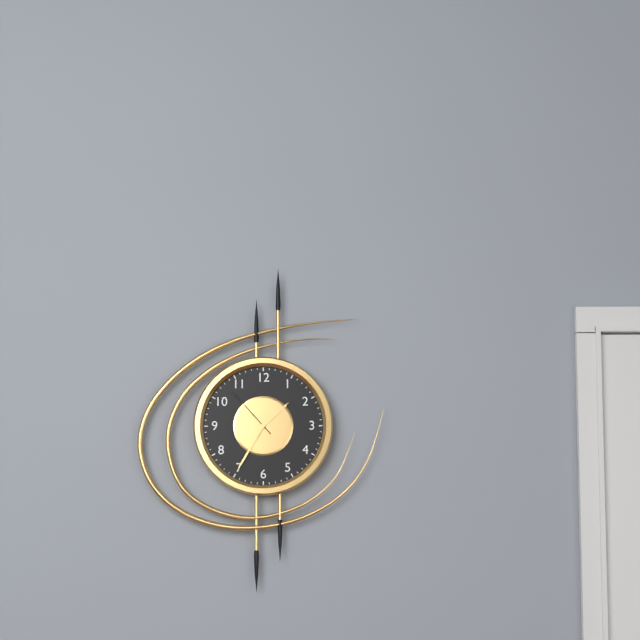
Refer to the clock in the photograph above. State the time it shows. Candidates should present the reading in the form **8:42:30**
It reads **1:35:53**
